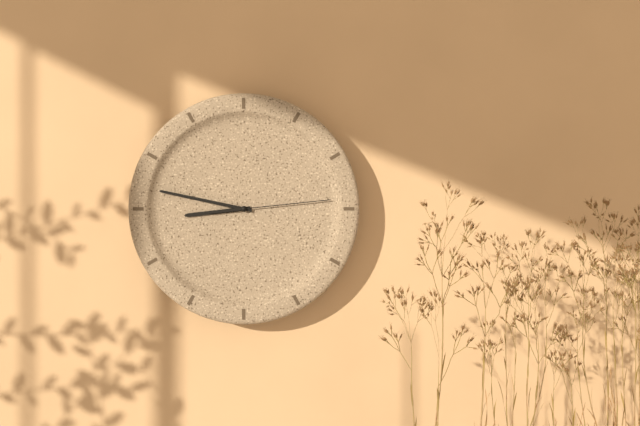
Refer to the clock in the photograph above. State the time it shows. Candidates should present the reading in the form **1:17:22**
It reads **8:47:14**
